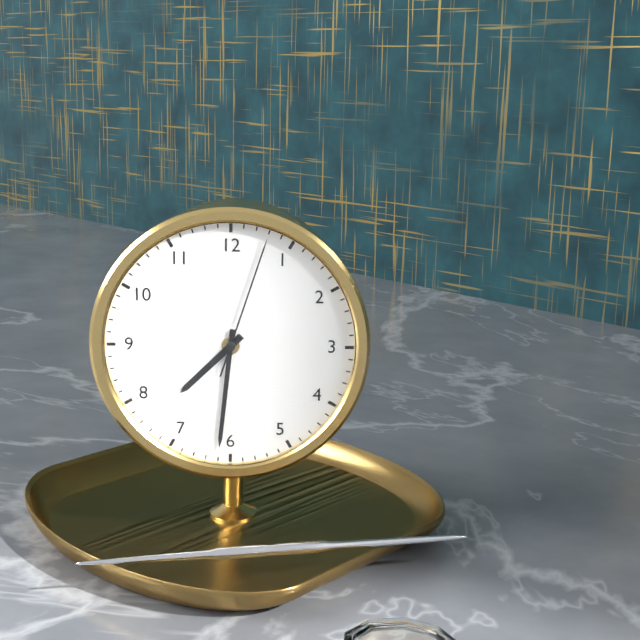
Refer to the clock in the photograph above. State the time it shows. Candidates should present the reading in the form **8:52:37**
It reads **7:31:03**
